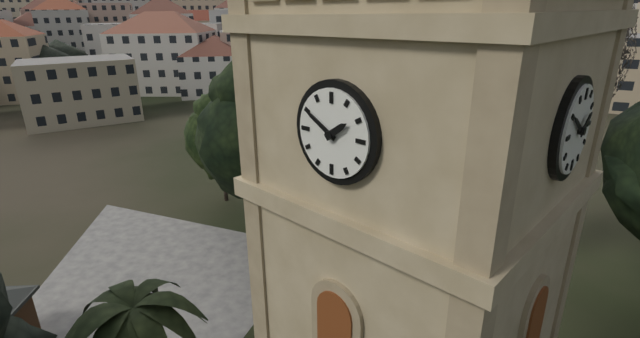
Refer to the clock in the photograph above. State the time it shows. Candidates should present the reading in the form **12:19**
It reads **1:50**
